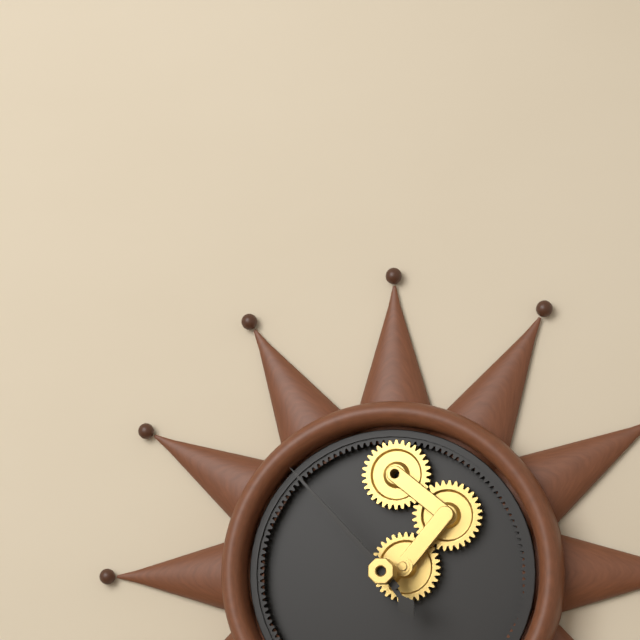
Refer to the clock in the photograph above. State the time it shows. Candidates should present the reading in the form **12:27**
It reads **4:53**
